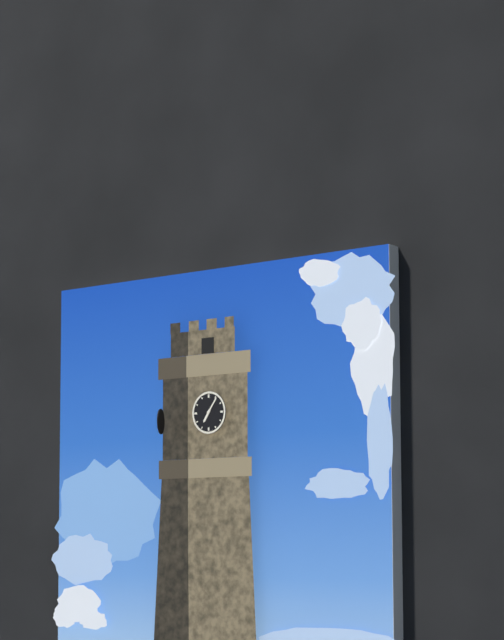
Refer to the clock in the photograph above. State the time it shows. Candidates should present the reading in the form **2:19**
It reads **7:06**
